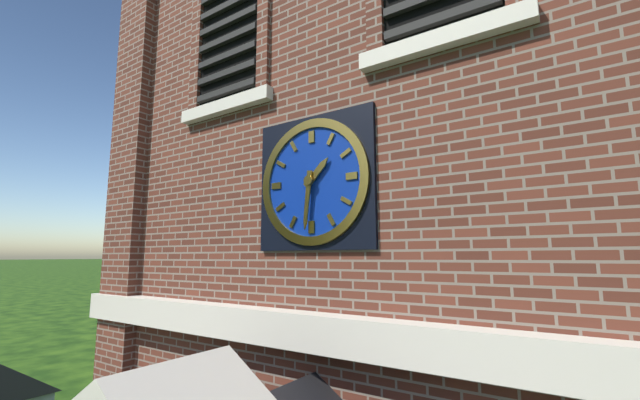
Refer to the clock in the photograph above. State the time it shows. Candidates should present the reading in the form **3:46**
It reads **1:31**
